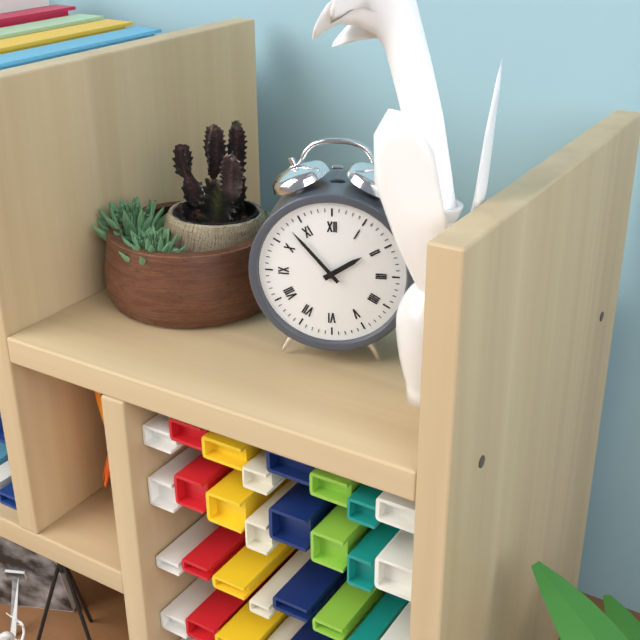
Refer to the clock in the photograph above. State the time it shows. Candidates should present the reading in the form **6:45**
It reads **1:53**
